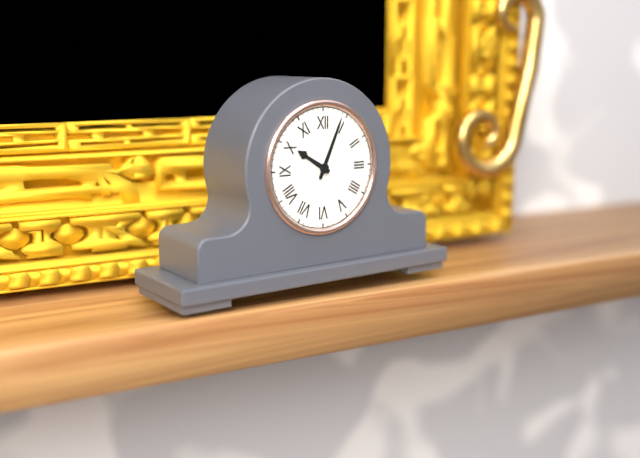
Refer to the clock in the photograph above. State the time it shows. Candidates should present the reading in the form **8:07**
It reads **10:04**
